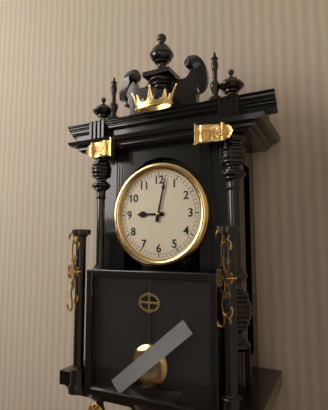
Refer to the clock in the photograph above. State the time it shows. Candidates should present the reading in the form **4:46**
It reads **9:02**
